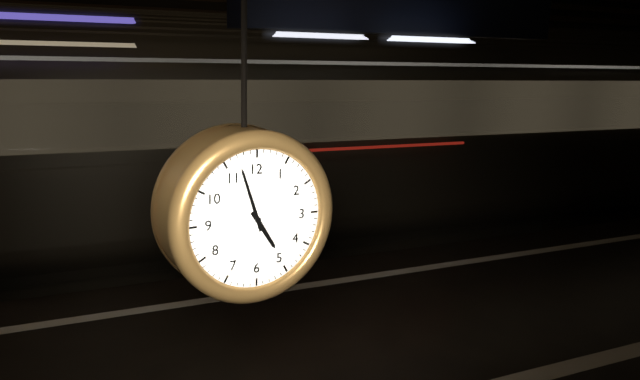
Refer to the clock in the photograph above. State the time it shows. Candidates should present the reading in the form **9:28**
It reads **4:57**
